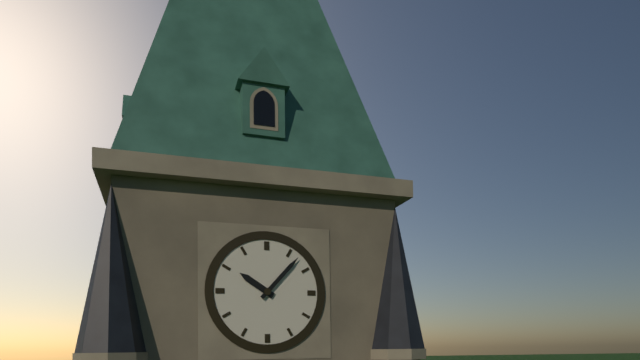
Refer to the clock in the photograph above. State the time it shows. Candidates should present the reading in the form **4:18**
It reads **10:07**
